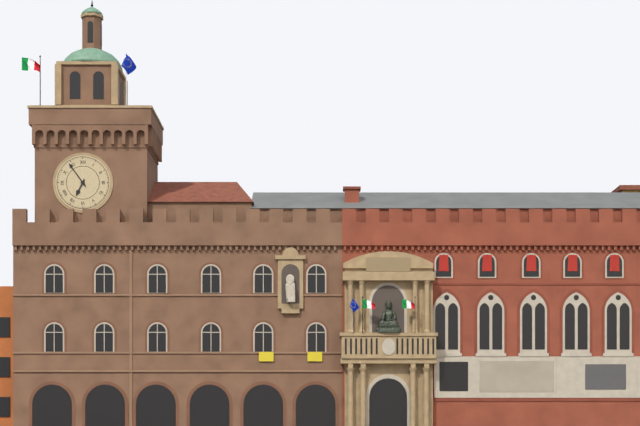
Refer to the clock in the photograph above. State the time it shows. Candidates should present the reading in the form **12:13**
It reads **6:54**
